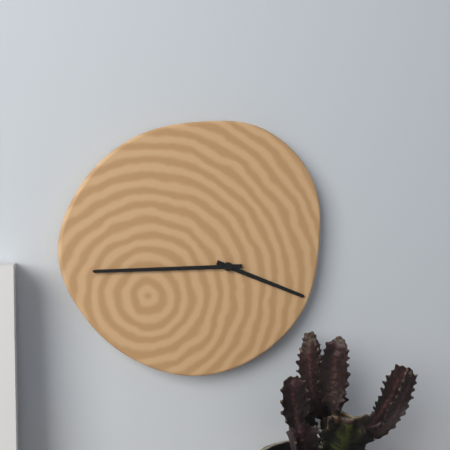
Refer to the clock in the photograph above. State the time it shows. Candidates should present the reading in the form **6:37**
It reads **3:45**
